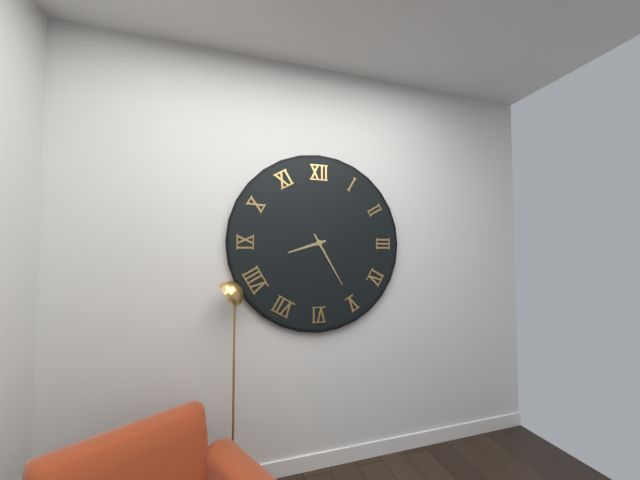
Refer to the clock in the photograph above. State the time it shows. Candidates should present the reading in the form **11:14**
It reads **8:25**
